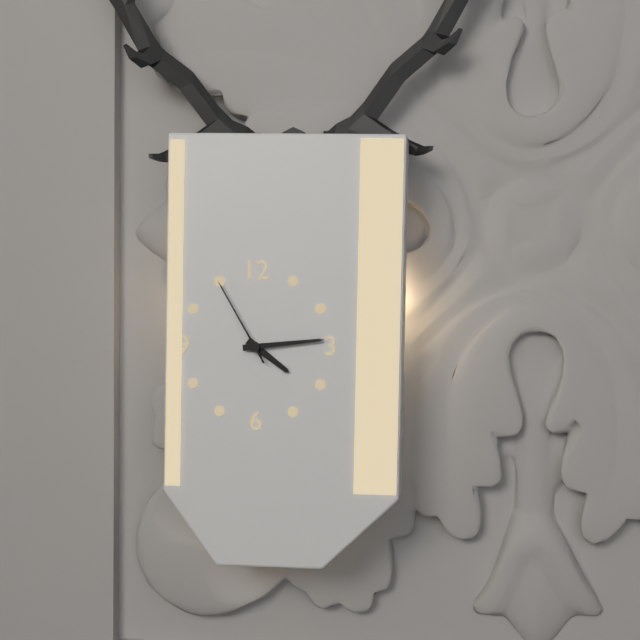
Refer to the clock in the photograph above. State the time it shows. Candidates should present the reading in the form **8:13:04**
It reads **4:14:55**
